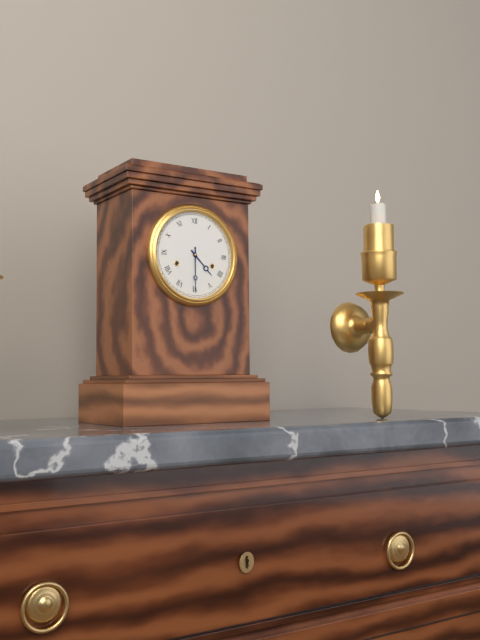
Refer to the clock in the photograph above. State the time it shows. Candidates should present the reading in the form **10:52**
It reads **4:30**
